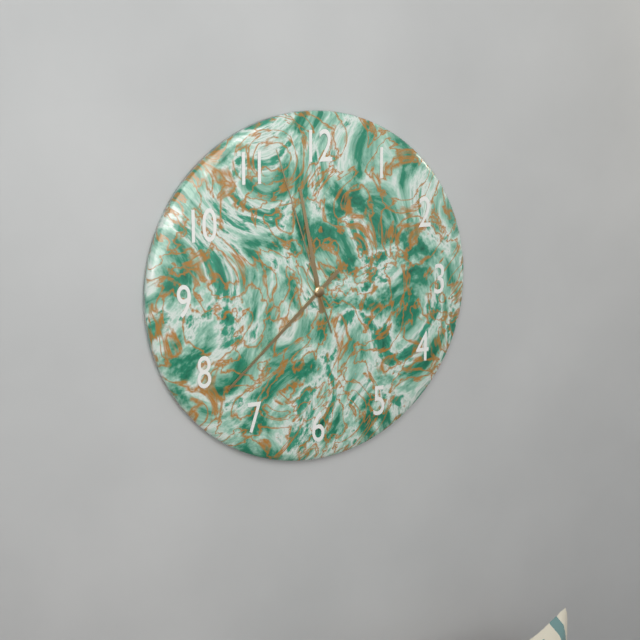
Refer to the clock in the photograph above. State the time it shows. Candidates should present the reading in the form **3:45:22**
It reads **11:38:57**
